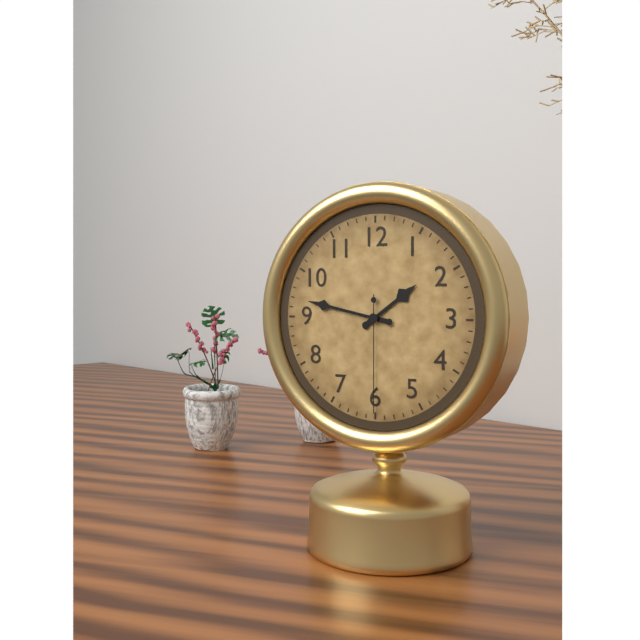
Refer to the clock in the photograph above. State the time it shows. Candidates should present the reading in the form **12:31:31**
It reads **1:47:30**
